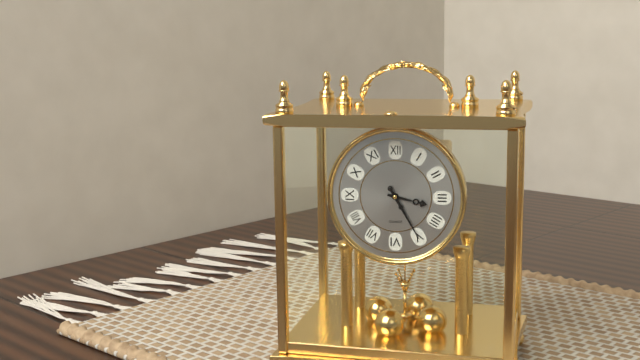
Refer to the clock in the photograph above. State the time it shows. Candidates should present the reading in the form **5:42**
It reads **3:25**
